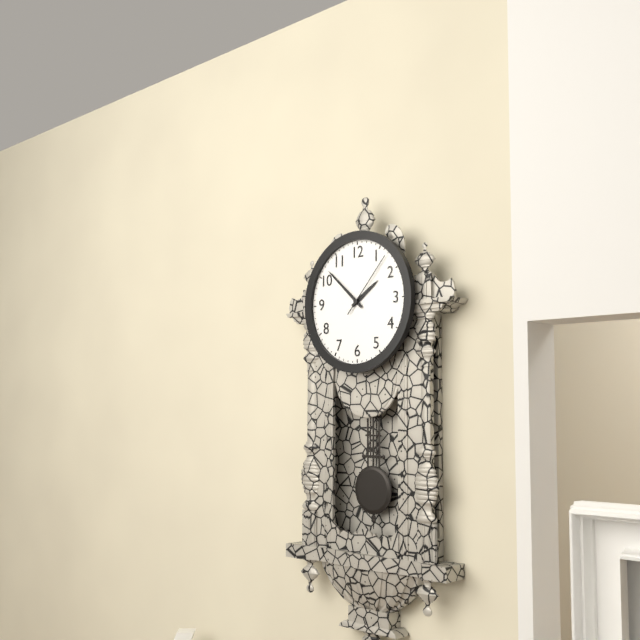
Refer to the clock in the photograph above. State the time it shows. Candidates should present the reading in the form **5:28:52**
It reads **1:52:07**
